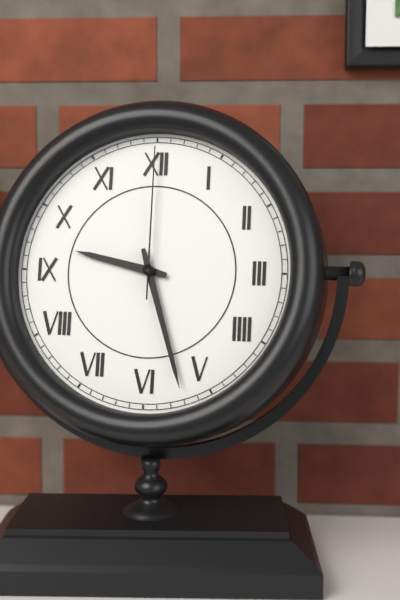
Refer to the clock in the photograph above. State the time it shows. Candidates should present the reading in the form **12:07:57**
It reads **9:27:00**
